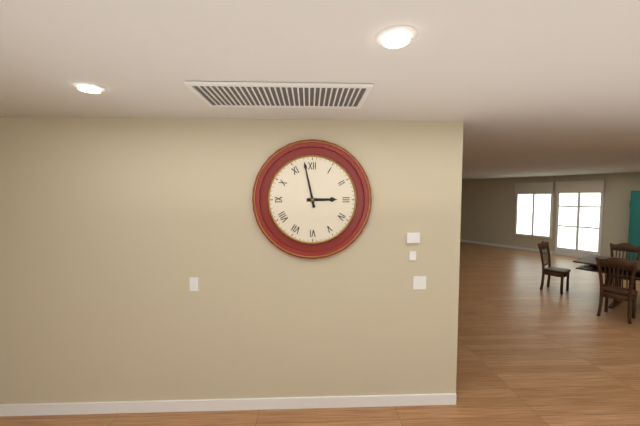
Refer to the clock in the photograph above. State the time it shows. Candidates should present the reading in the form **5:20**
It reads **2:58**
